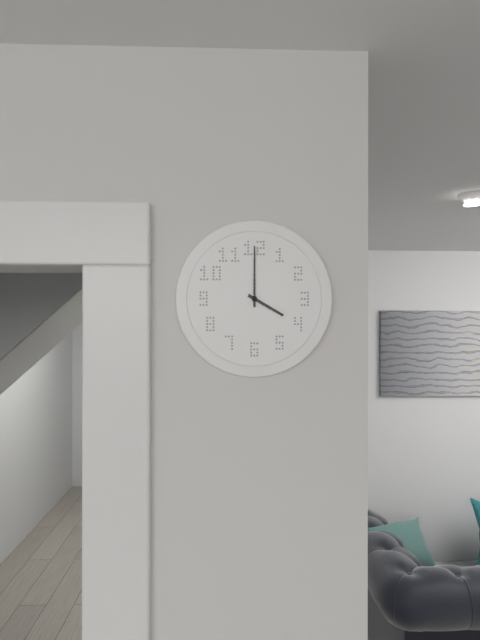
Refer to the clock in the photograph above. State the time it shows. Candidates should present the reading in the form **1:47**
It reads **4:00**
